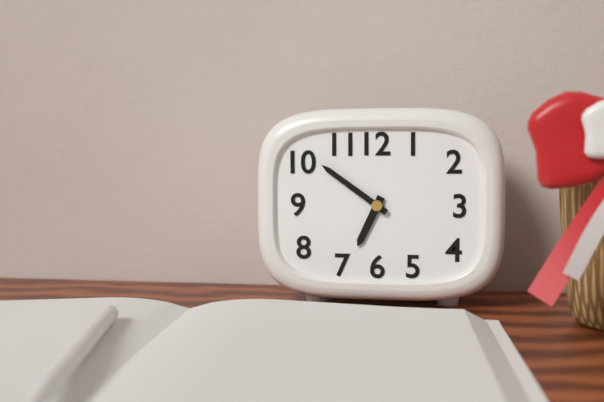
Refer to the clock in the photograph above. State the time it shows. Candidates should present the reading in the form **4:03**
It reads **6:51**
